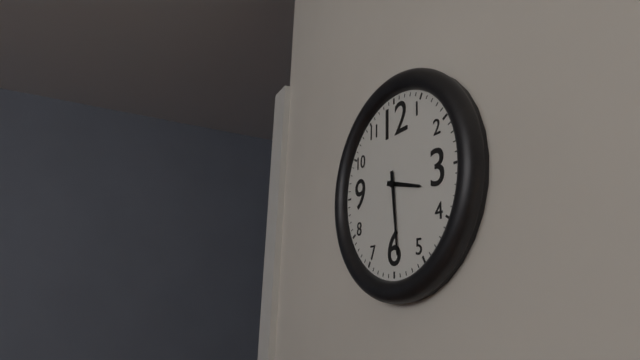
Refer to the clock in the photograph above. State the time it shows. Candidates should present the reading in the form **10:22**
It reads **3:29**
